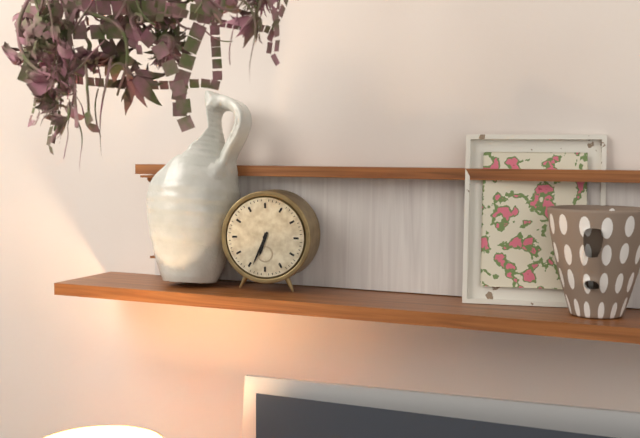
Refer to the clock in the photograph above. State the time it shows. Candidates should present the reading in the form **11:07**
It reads **6:34**
